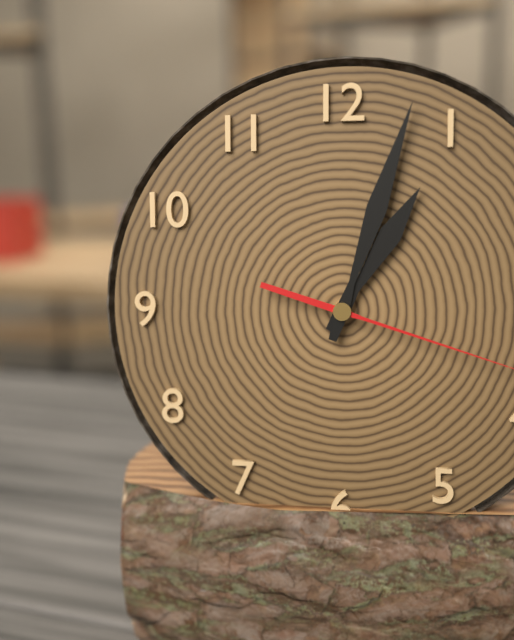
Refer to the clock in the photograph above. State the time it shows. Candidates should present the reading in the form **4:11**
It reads **1:03**
